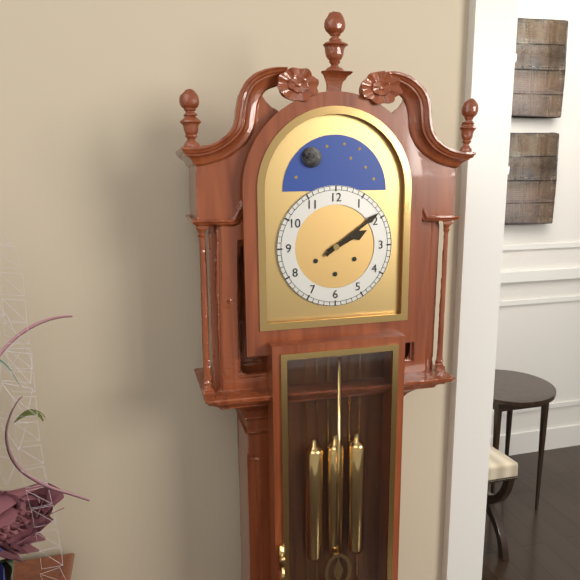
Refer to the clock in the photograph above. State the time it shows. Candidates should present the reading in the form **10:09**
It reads **2:09**
